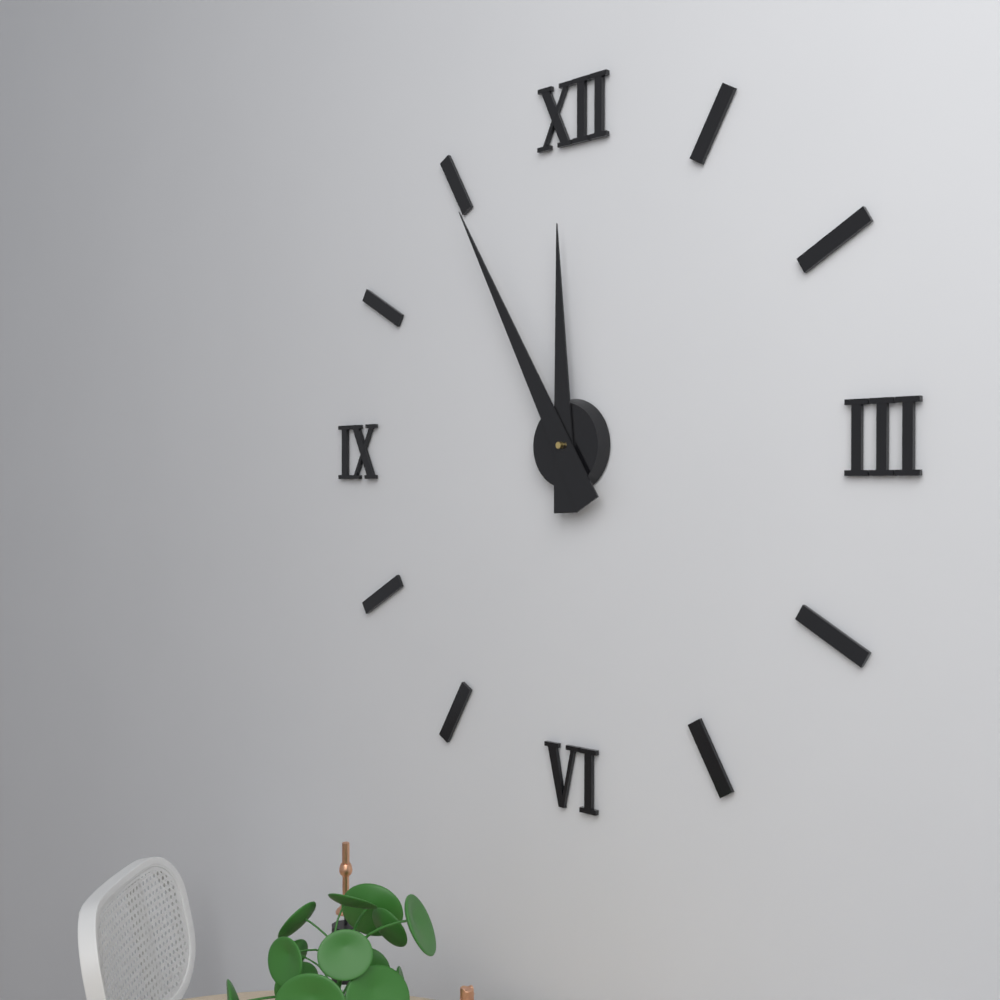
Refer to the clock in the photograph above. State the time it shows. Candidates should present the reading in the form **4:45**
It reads **11:55**
